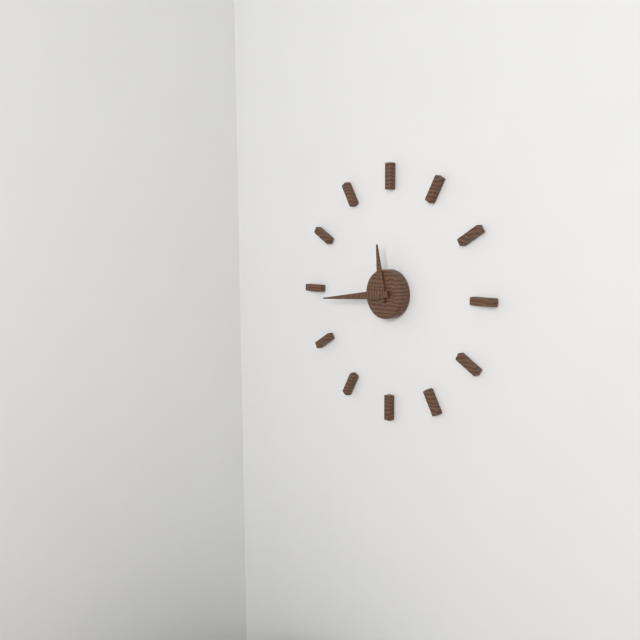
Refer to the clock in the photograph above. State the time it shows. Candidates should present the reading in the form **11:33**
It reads **11:44**
